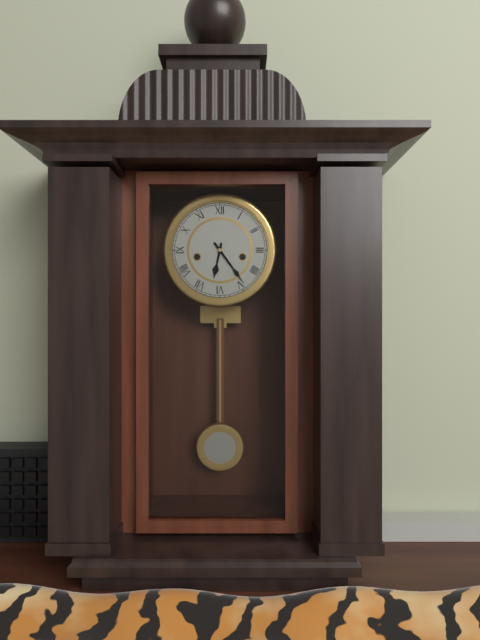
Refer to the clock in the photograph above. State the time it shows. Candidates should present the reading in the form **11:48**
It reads **6:24**
